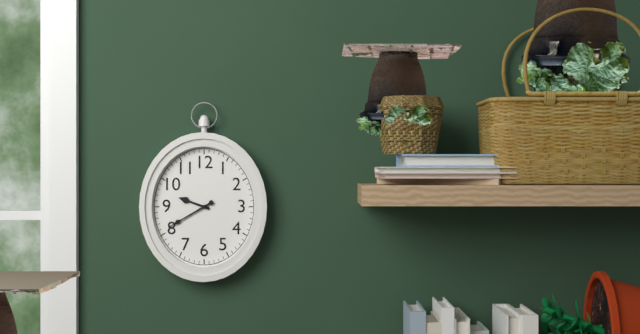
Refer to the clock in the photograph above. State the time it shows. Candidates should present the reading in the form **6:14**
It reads **9:40**
